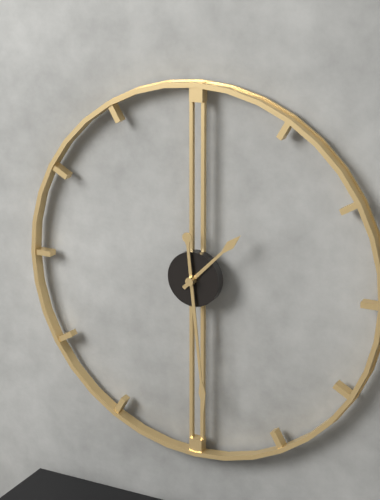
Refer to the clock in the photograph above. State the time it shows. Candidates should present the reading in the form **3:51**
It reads **1:29**
